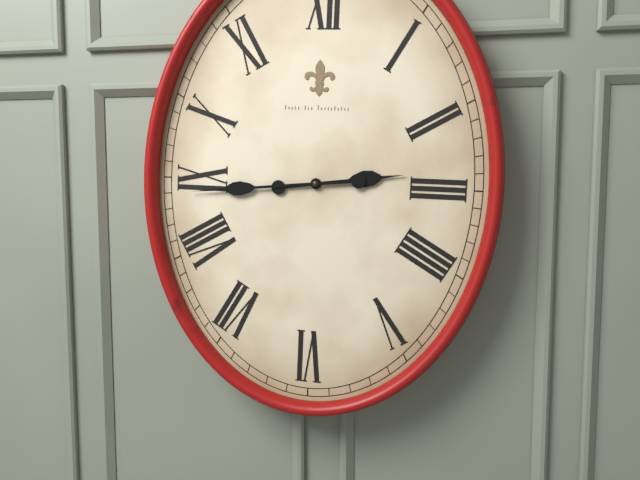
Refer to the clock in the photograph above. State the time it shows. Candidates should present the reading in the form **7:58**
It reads **2:44**
